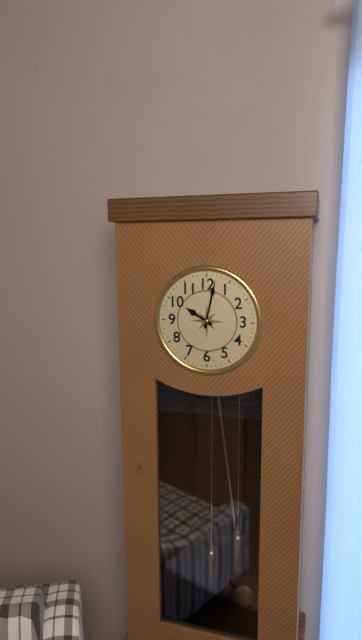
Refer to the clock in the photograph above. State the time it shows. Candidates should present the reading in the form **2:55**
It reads **10:02**
